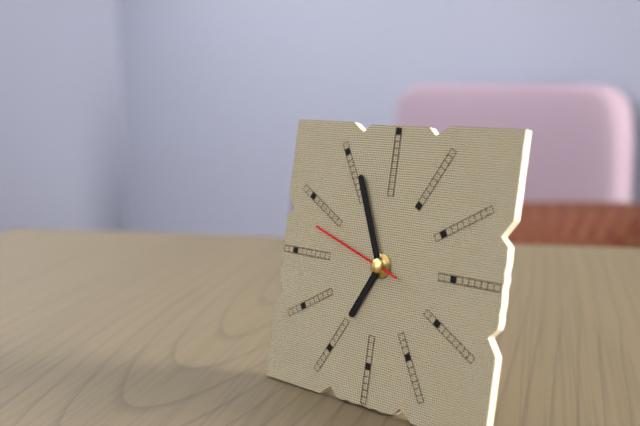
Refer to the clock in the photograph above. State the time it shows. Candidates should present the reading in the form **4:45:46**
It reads **6:56:48**
